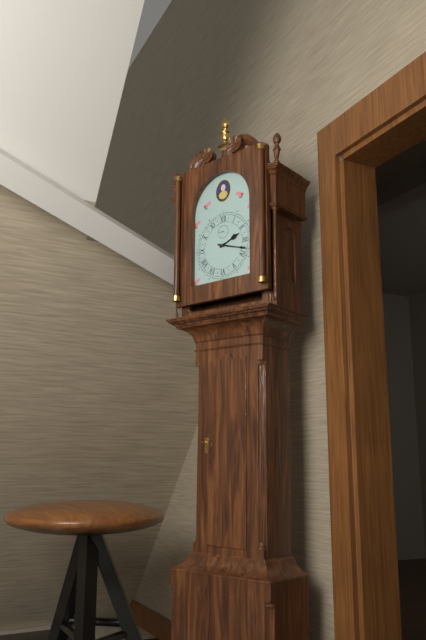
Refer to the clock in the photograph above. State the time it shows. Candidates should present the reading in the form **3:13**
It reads **2:18**
